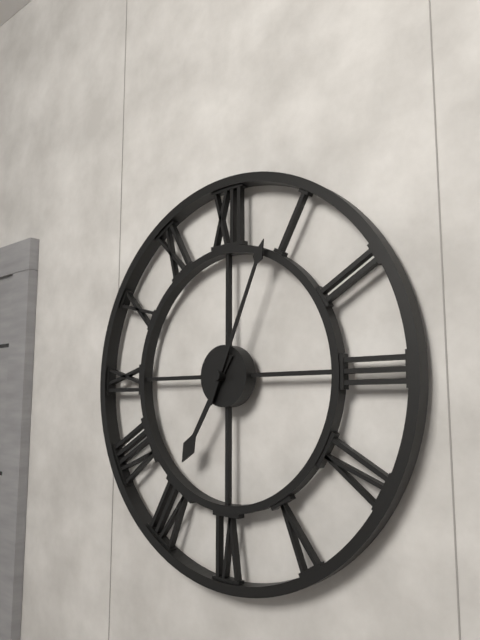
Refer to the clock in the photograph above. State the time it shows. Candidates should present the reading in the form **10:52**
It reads **7:04**
